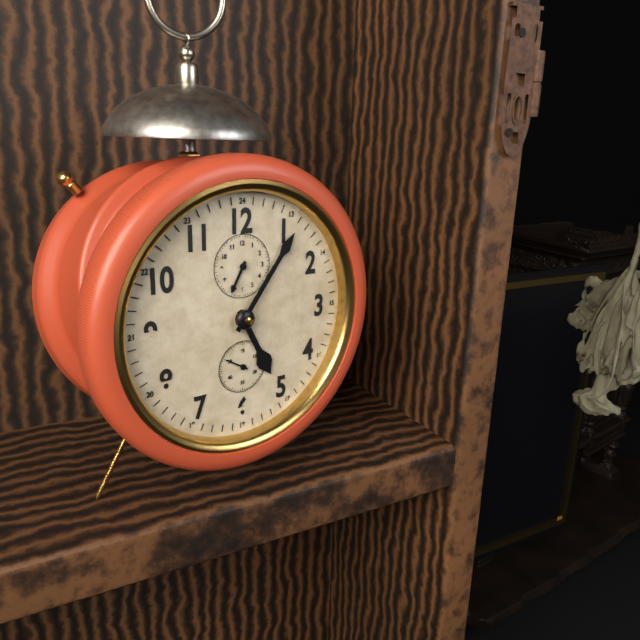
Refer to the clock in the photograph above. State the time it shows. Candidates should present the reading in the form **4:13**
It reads **5:06**
